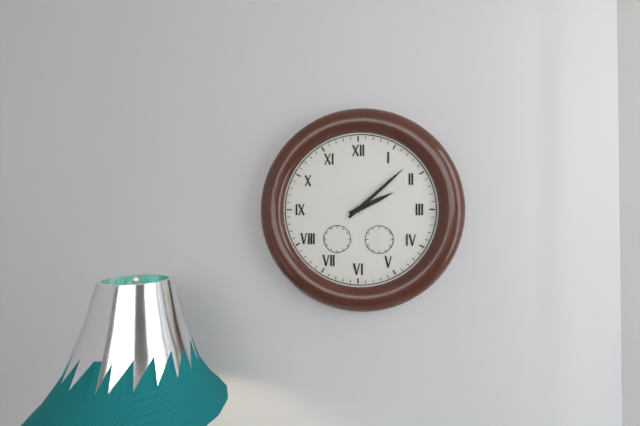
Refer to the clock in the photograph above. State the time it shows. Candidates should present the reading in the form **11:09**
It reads **2:08**
